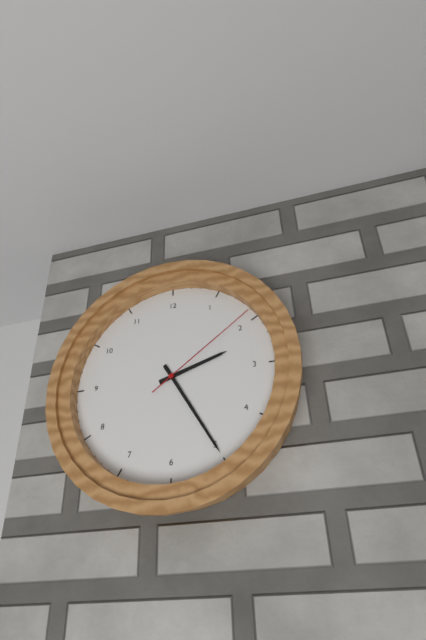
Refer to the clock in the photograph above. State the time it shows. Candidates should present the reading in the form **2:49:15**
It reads **2:25:09**
